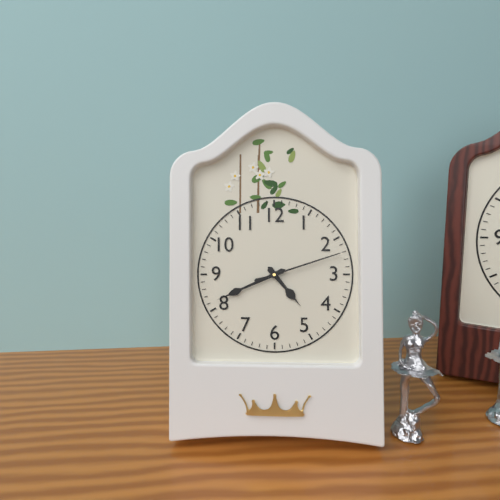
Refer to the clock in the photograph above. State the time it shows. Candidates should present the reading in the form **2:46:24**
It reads **4:41:12**
